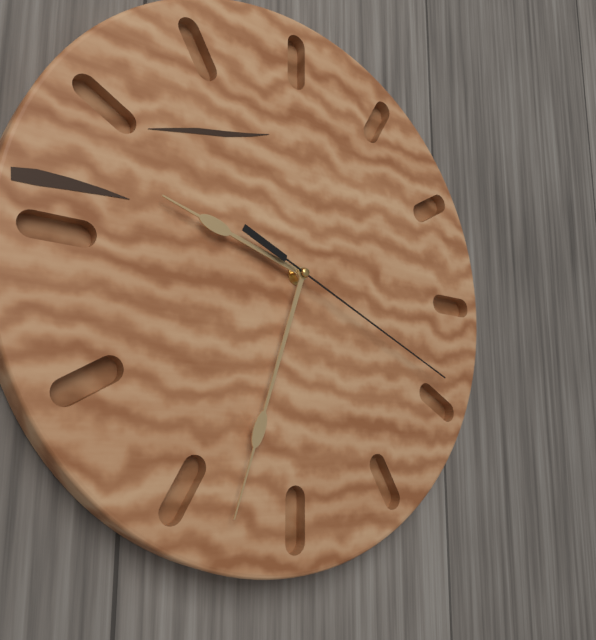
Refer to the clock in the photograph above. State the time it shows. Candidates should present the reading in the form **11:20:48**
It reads **9:33:19**
